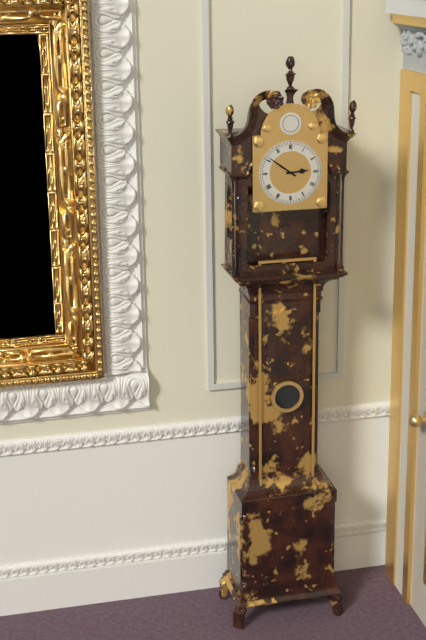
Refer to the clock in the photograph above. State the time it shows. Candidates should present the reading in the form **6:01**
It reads **2:51**
